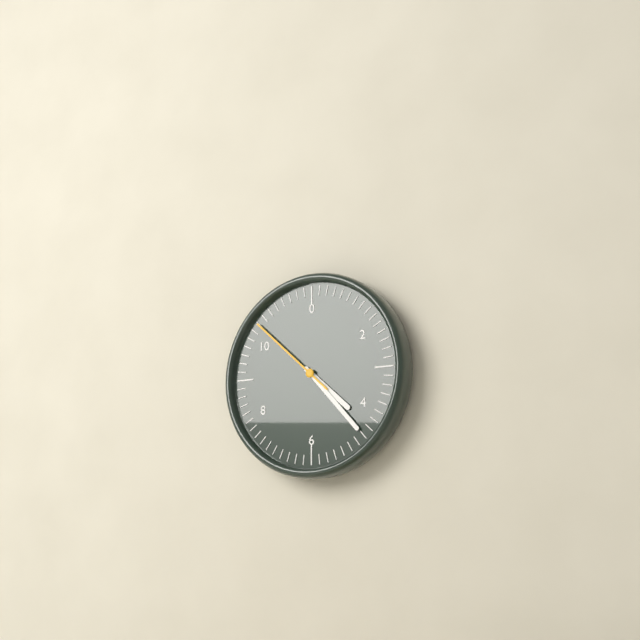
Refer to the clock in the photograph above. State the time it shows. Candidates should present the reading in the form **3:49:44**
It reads **4:23:52**
